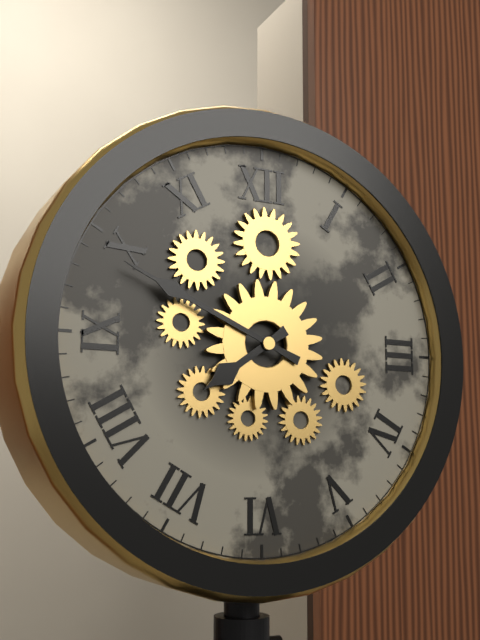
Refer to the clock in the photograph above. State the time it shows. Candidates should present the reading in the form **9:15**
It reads **7:49**
